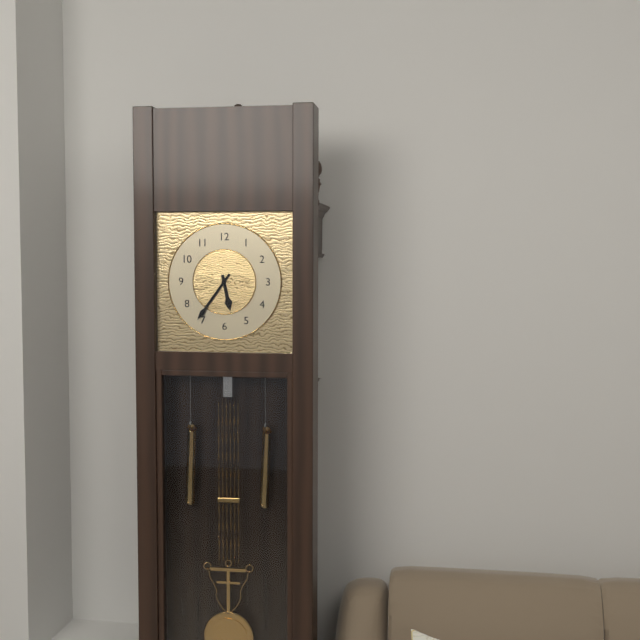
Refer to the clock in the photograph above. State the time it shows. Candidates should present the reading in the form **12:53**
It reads **5:36**
